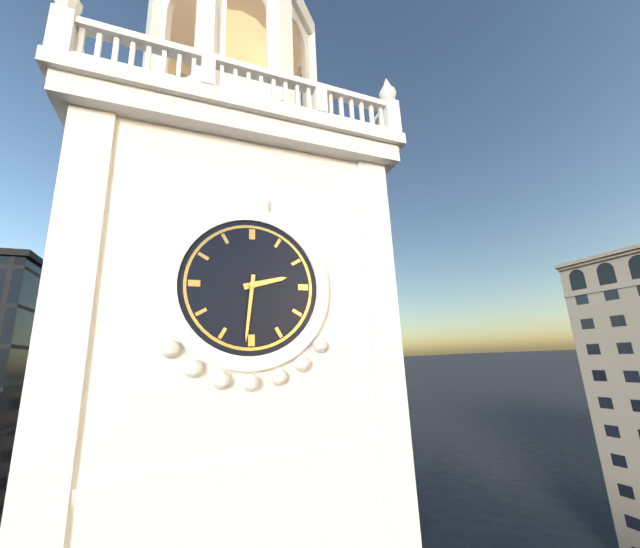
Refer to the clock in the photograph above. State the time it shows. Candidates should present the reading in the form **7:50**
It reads **2:31**
